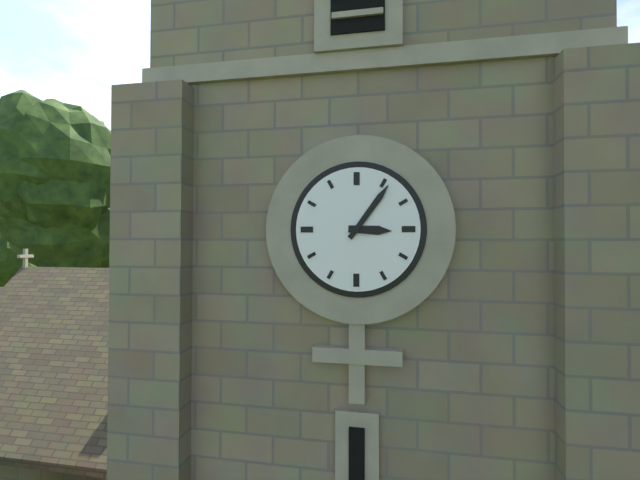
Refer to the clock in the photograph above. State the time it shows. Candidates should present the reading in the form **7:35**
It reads **3:06**
